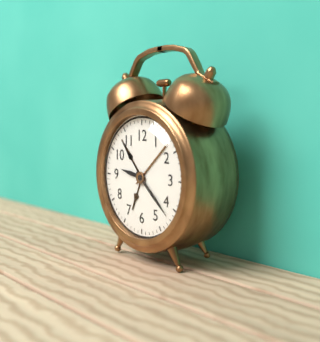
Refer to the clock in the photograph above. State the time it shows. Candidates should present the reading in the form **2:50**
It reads **9:22**
